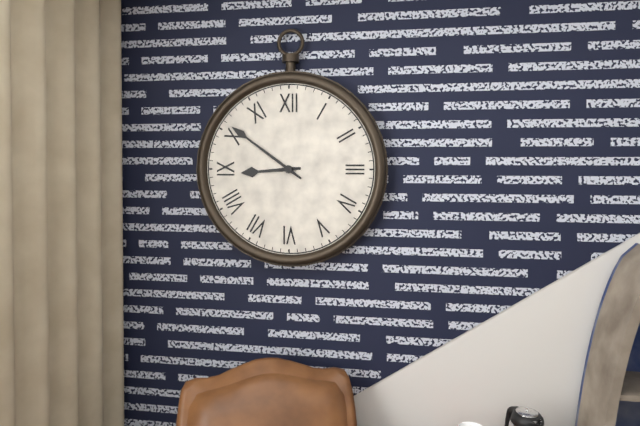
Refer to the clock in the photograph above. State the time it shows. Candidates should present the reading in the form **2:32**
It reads **8:51**
